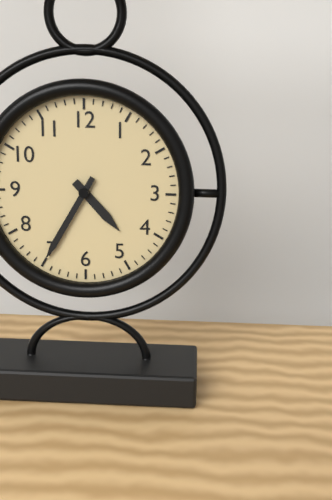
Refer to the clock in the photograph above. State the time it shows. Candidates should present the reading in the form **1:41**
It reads **4:35**
